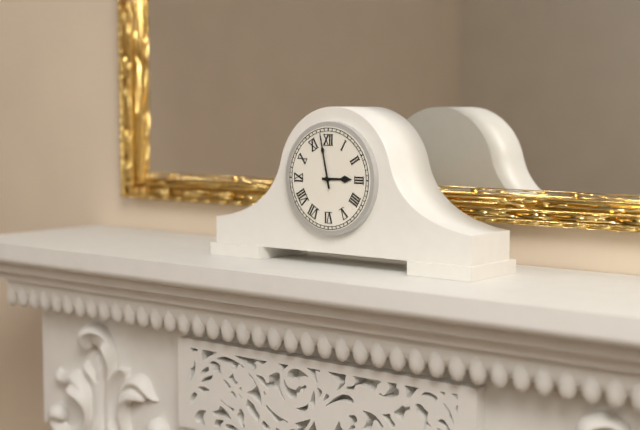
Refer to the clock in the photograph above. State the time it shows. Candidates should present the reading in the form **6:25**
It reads **2:58**
